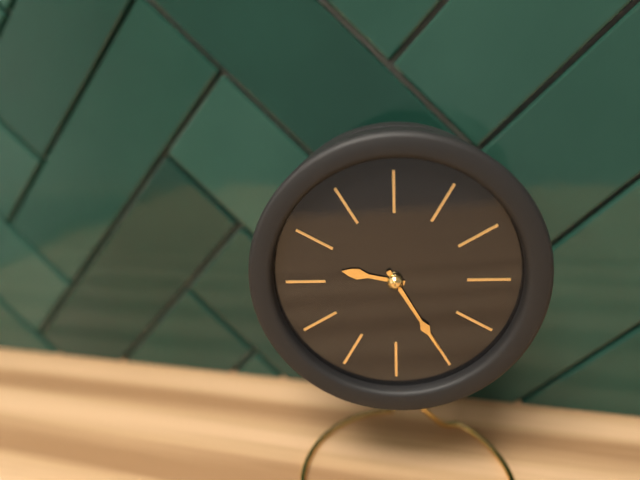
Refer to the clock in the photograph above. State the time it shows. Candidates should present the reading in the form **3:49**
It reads **9:25**
